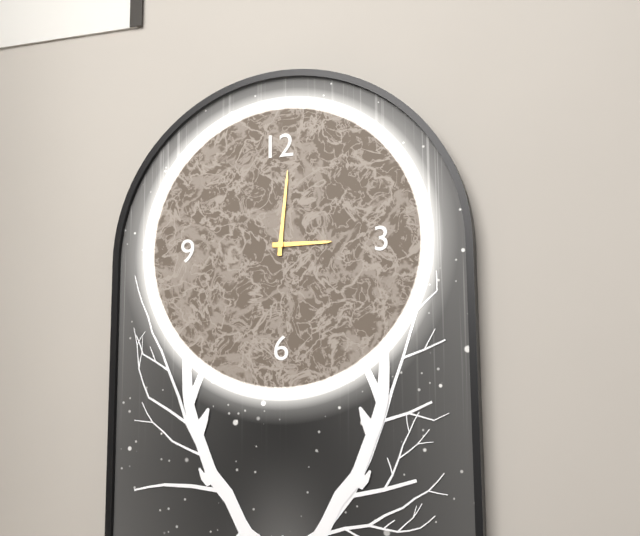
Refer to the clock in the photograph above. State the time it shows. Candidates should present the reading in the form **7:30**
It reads **3:01**
